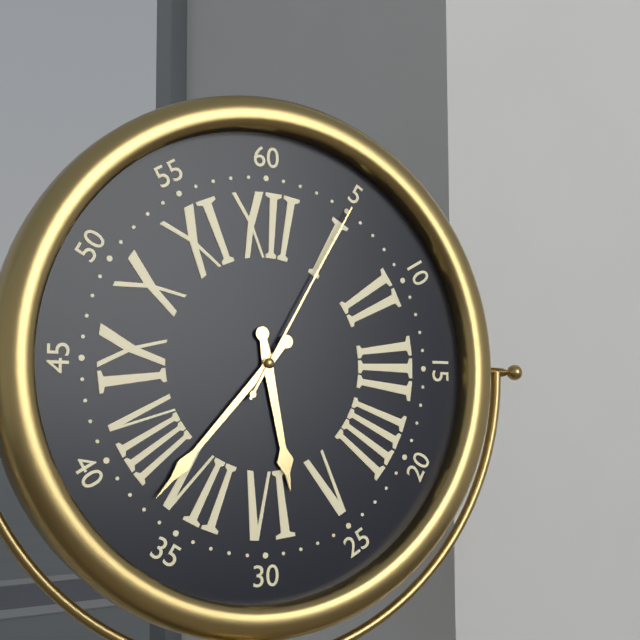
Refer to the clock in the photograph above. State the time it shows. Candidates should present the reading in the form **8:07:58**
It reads **5:37:05**
